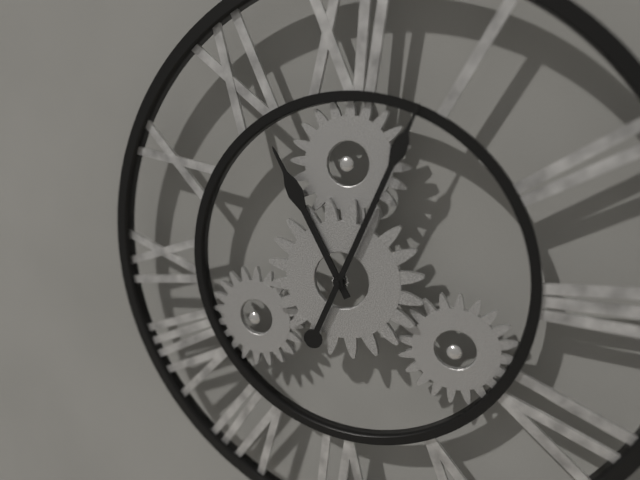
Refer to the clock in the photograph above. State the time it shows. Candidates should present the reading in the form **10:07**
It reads **11:04**
